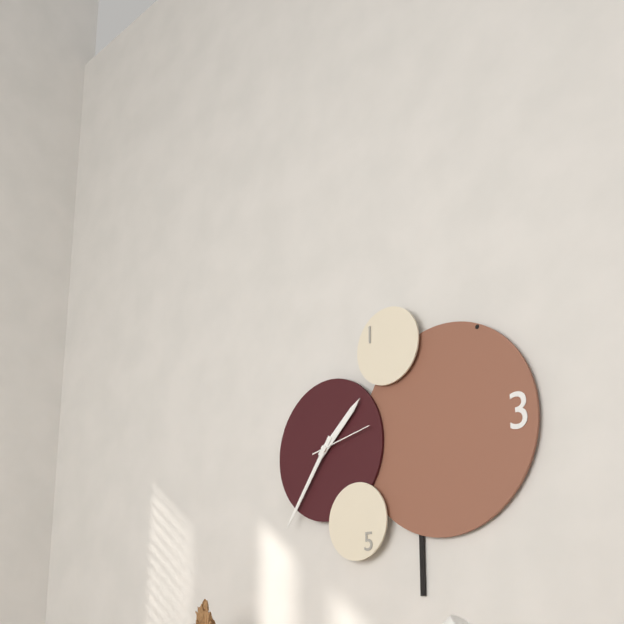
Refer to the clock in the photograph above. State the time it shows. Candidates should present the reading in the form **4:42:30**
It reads **1:36:13**
